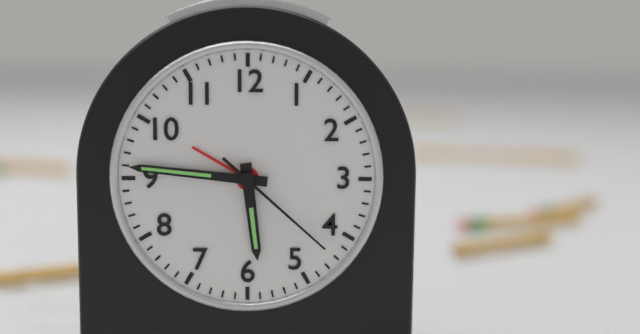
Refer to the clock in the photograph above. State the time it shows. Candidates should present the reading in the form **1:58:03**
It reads **5:46:22**
